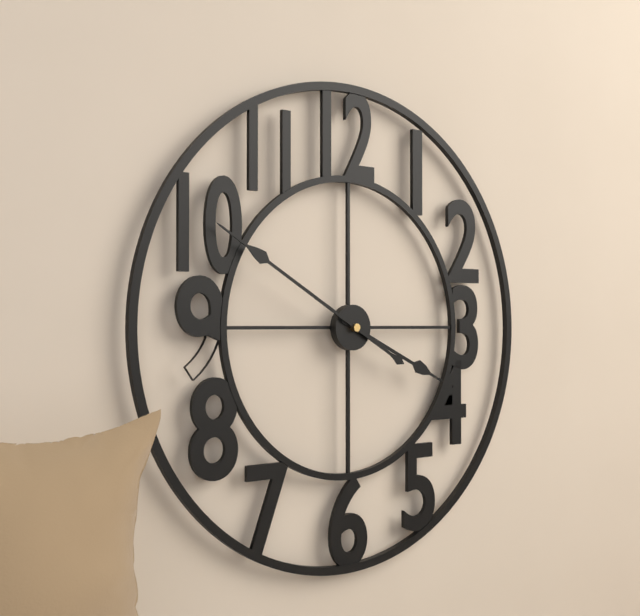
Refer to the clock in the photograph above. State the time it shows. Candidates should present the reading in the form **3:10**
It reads **3:50**
